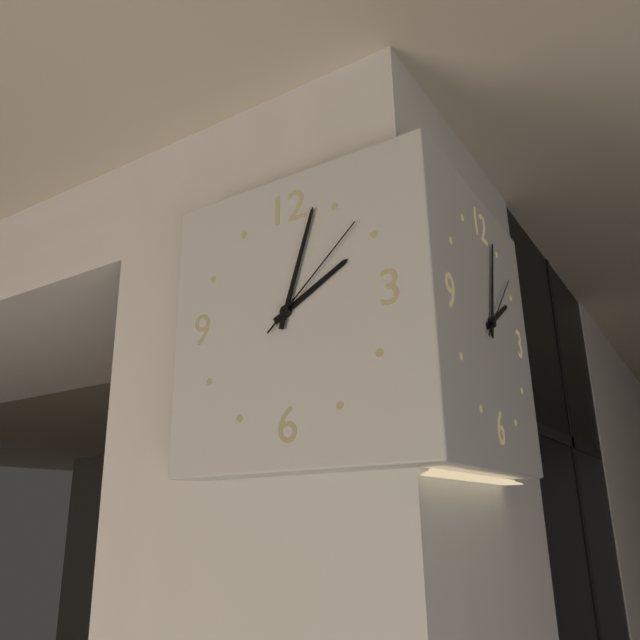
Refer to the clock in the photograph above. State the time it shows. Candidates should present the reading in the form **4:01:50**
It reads **2:03:08**
